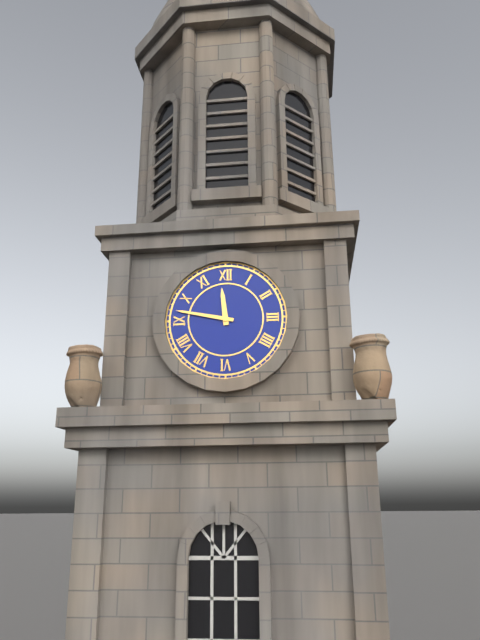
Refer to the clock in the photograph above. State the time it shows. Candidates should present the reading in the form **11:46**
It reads **11:47**
